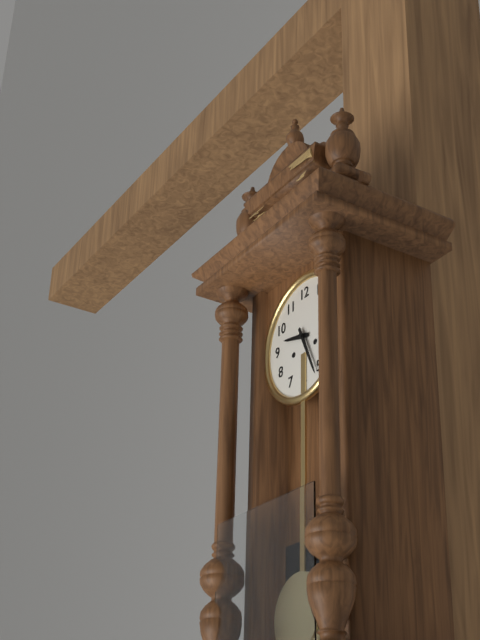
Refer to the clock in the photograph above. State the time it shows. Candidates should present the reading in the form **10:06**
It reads **9:26**
